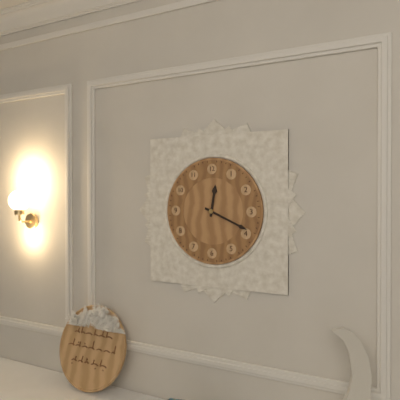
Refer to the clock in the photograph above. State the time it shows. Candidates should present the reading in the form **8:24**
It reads **12:19**
